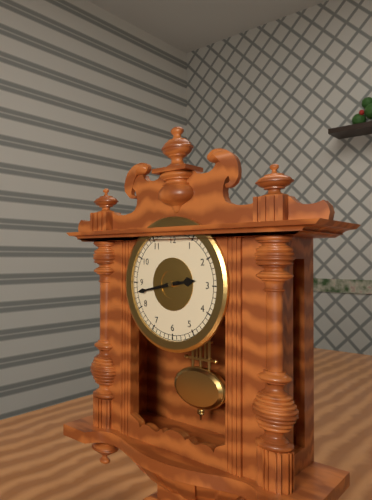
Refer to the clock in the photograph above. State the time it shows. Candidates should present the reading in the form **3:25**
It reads **2:43**
